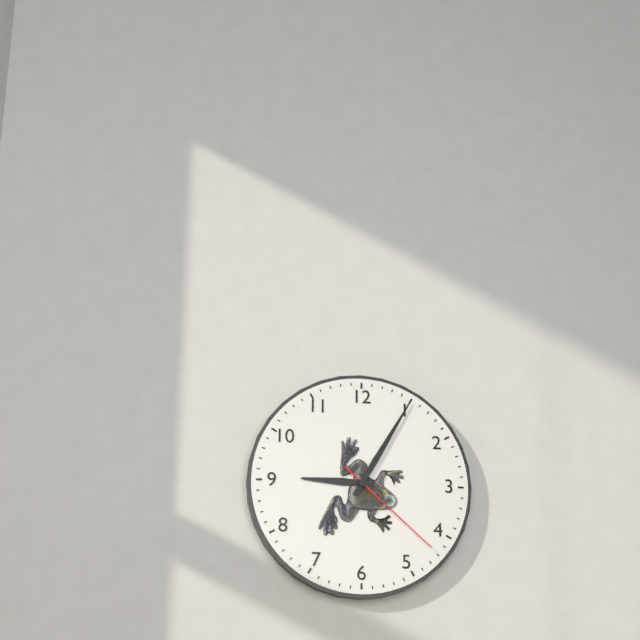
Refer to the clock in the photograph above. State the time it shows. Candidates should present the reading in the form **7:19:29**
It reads **9:05:22**
